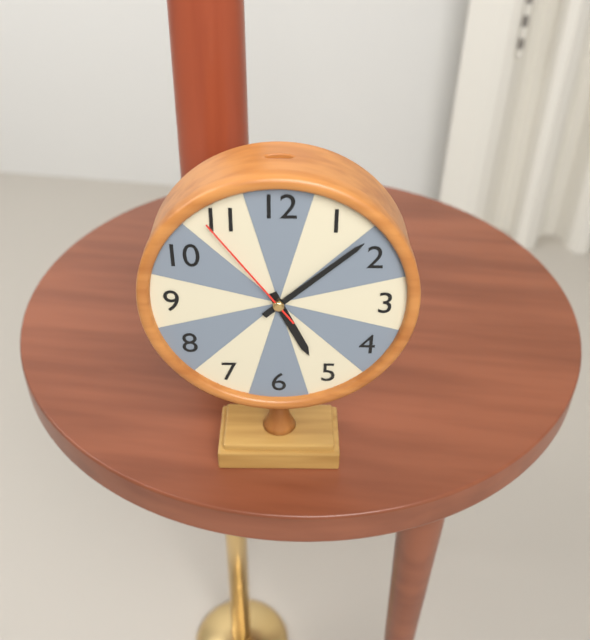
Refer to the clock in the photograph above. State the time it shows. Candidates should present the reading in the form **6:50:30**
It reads **5:08:54**
